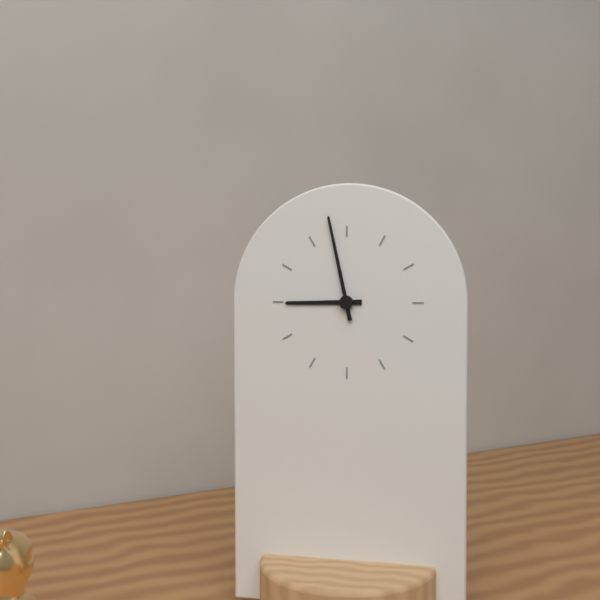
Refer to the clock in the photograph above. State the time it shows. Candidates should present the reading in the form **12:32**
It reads **8:58**
